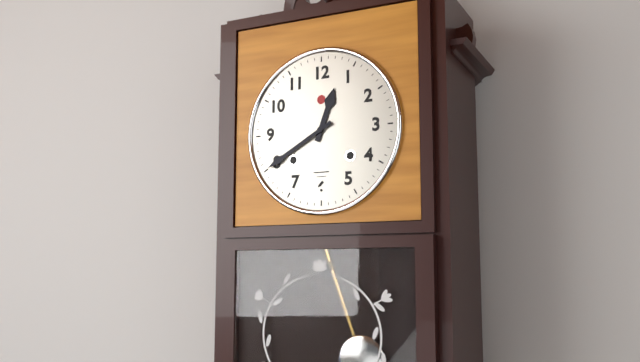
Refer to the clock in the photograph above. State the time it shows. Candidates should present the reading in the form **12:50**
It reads **12:40**
